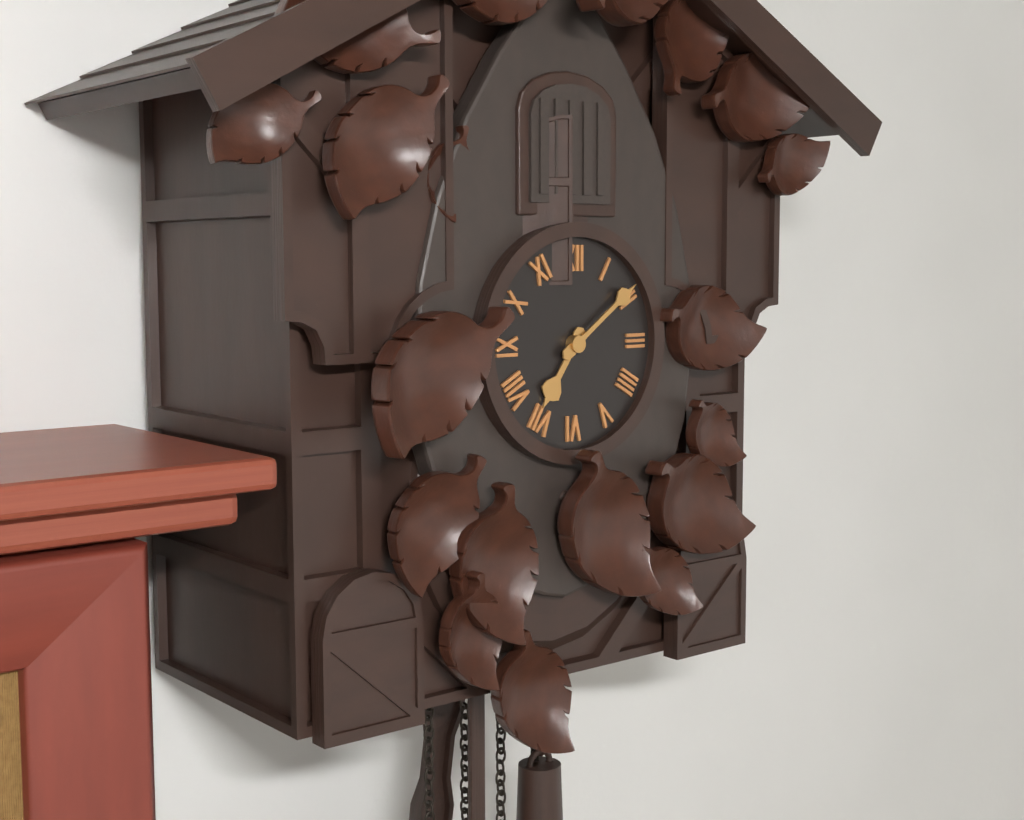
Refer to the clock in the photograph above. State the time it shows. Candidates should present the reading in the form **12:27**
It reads **7:09**
